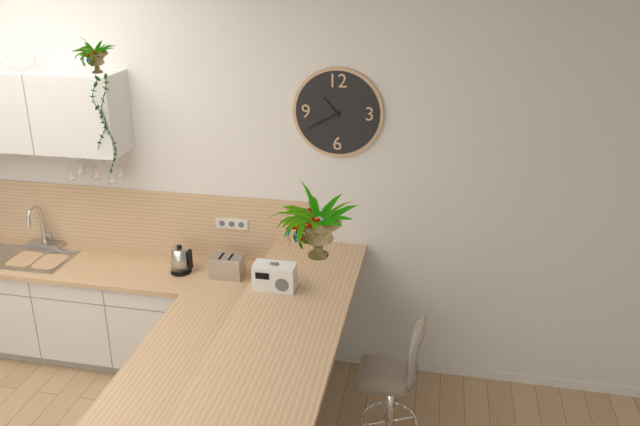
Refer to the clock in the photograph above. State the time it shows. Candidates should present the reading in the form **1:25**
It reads **10:40**
